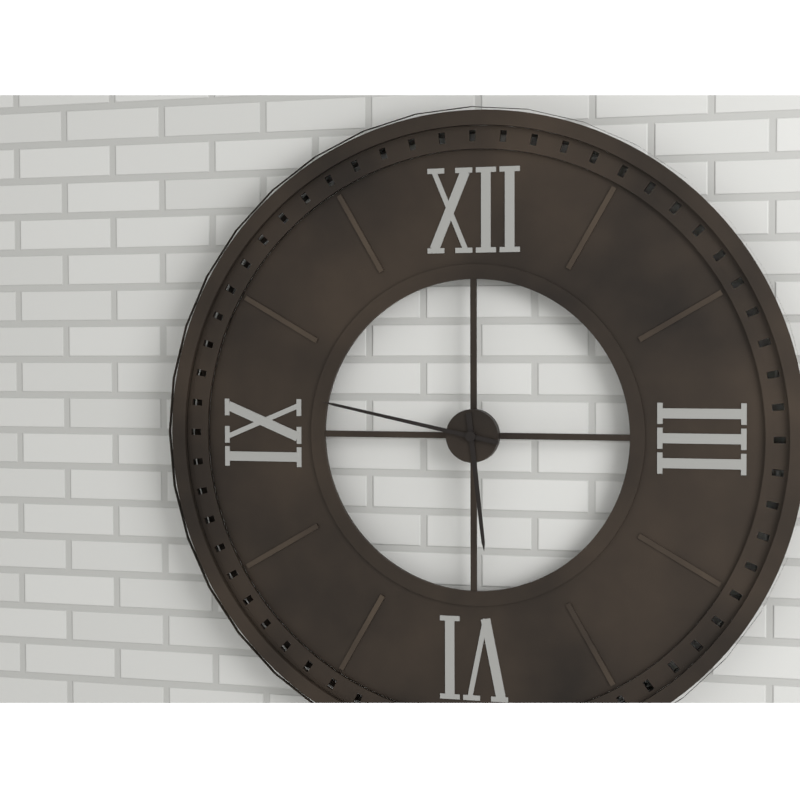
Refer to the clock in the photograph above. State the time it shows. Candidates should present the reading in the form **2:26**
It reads **5:47**
